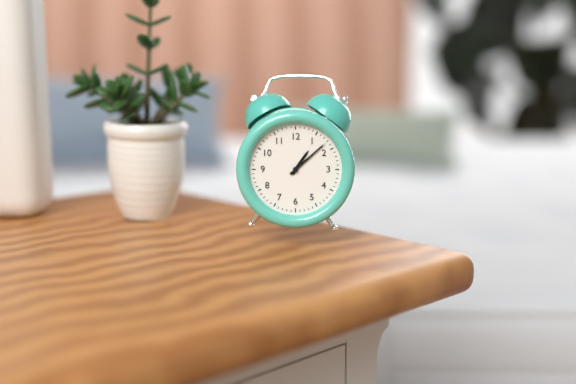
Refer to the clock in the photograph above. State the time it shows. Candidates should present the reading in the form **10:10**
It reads **1:08**
